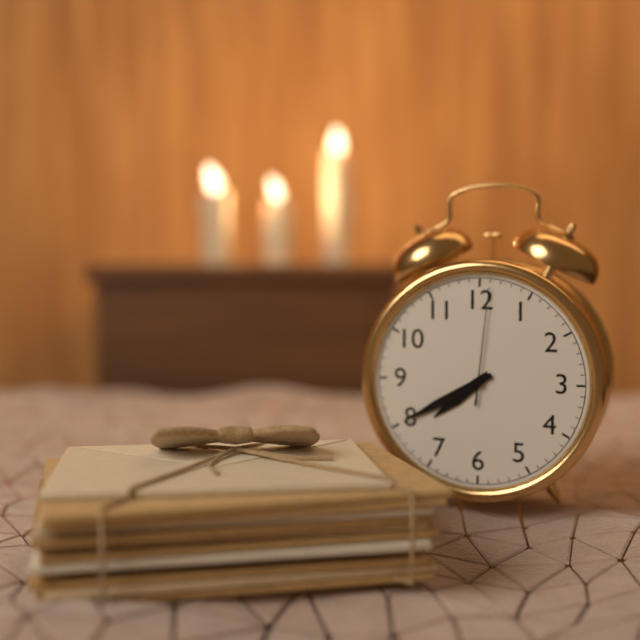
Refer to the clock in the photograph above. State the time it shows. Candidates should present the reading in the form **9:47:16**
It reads **7:40:01**
